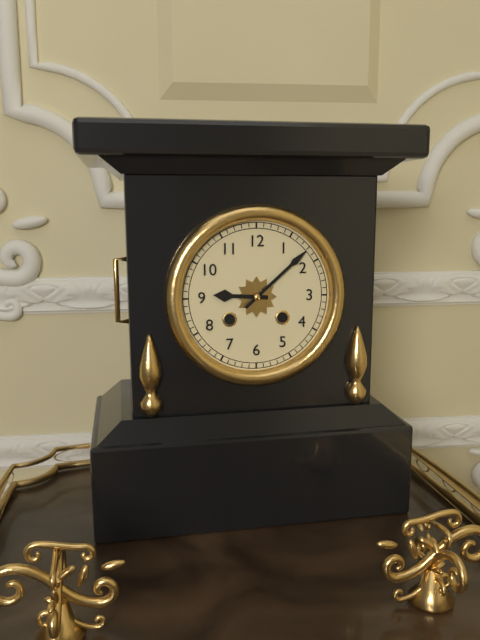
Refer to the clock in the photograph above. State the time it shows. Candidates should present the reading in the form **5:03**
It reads **9:08**
